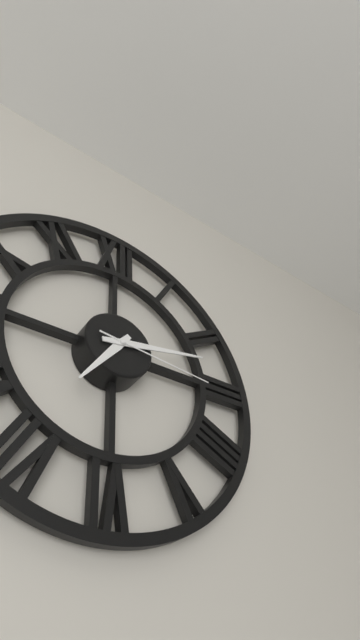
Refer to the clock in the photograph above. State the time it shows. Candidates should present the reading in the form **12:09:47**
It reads **7:13:16**
